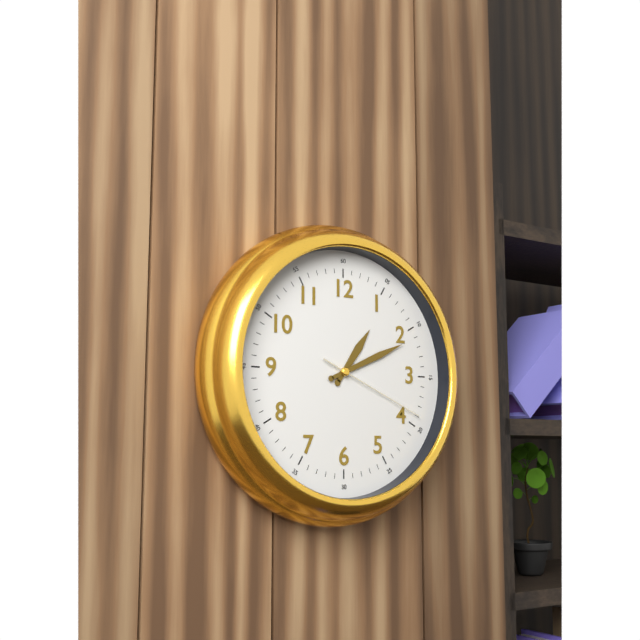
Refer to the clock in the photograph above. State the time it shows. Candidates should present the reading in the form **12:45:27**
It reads **1:11:19**
